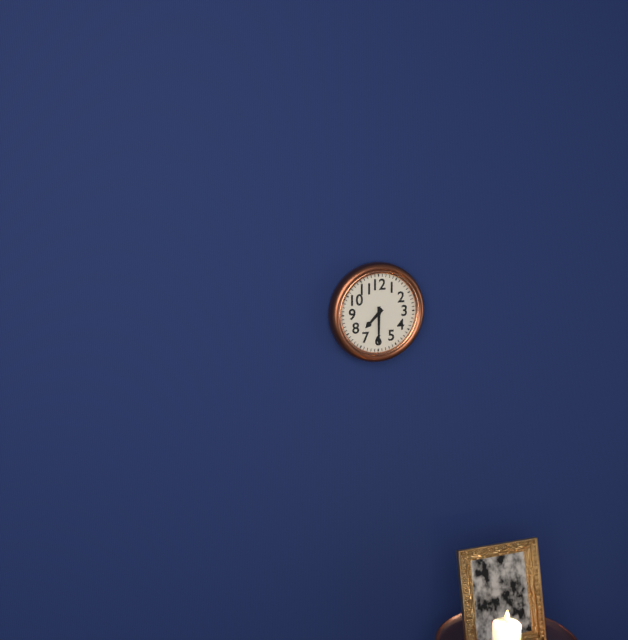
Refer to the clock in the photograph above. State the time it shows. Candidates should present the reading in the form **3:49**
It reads **7:30**
